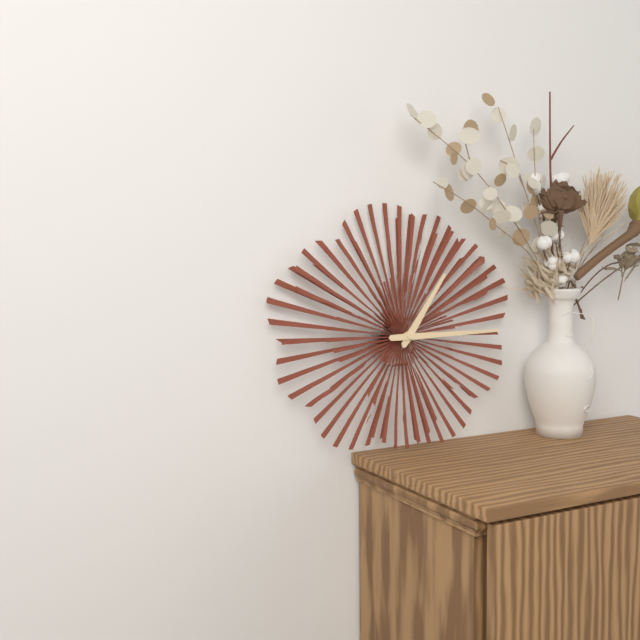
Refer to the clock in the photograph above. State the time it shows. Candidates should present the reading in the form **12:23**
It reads **1:15**
